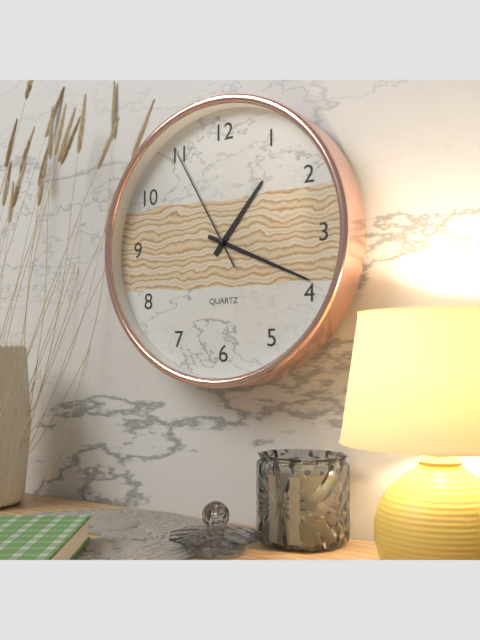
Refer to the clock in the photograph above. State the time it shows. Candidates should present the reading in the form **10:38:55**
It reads **1:19:55**
